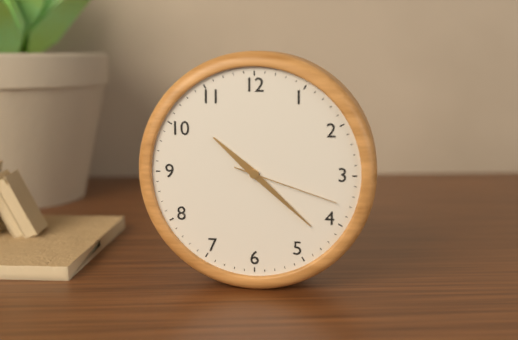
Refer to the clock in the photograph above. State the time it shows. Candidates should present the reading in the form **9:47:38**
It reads **10:22:18**
